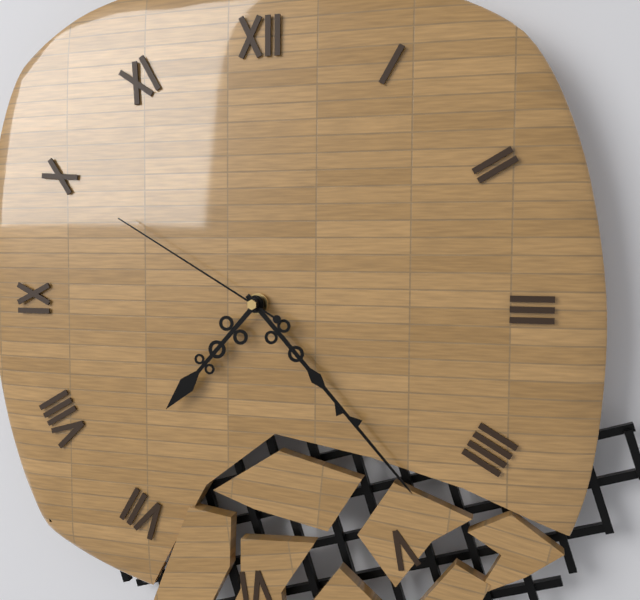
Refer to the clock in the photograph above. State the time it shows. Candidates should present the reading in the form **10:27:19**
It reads **7:23:50**
